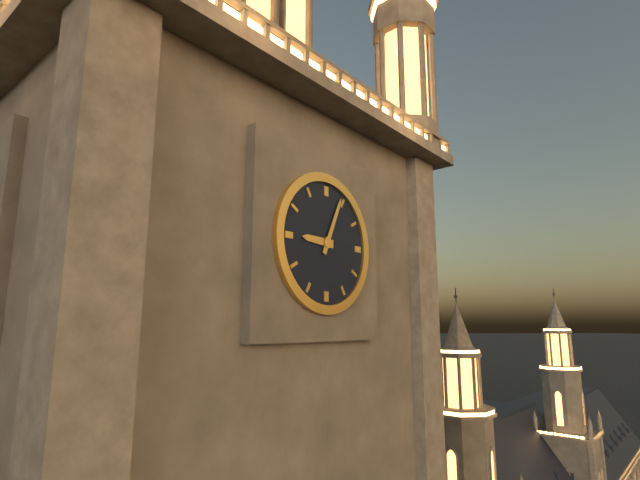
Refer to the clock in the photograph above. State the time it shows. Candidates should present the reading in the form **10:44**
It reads **9:04**
